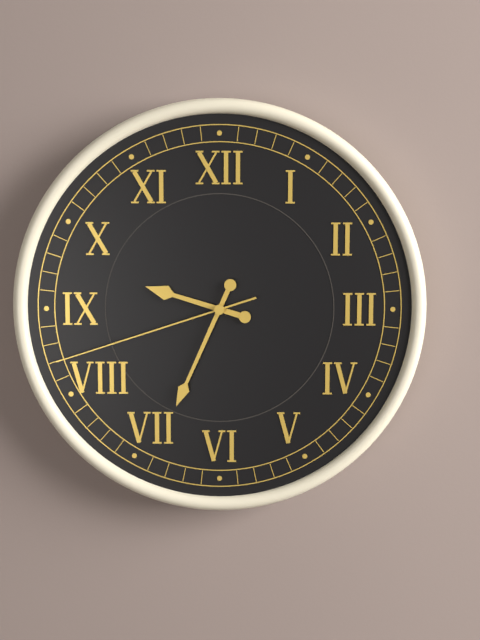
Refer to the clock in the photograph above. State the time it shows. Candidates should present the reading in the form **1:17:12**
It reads **9:34:42**
